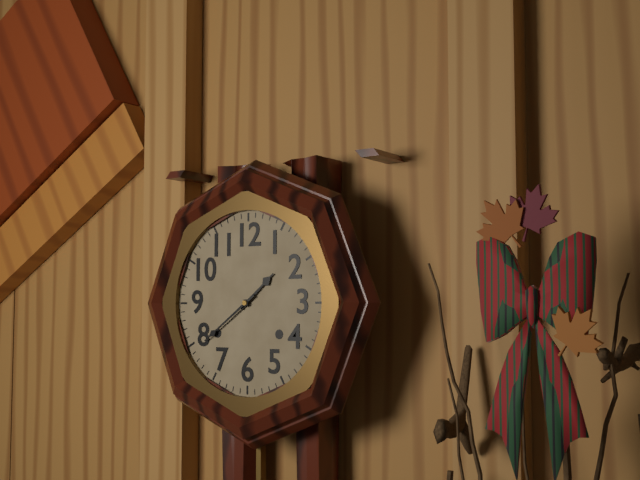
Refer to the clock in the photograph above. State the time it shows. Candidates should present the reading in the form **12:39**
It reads **1:39**
